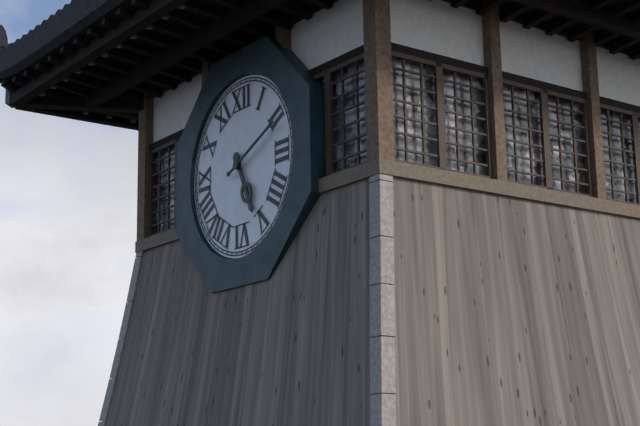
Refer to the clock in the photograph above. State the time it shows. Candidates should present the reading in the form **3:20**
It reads **5:11**
